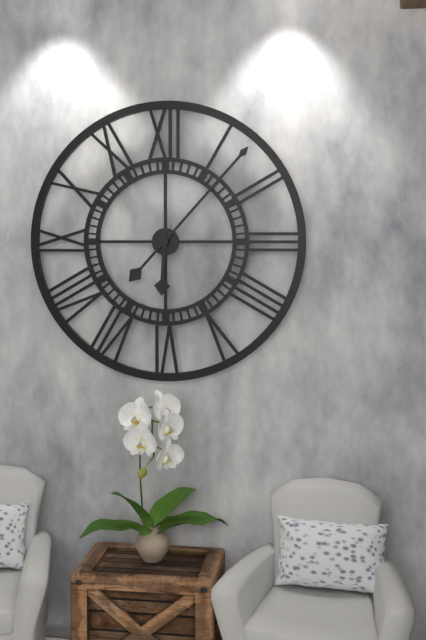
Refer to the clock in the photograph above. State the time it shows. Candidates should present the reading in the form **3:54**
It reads **6:07**
